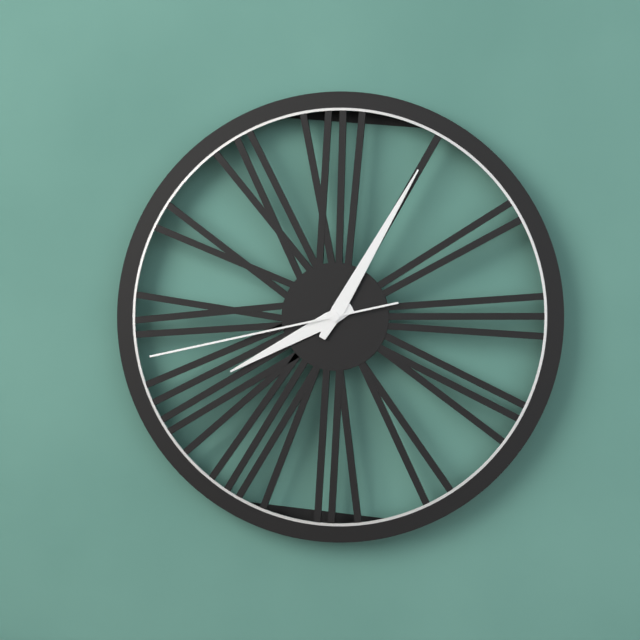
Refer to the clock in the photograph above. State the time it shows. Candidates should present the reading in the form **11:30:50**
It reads **8:05:43**
